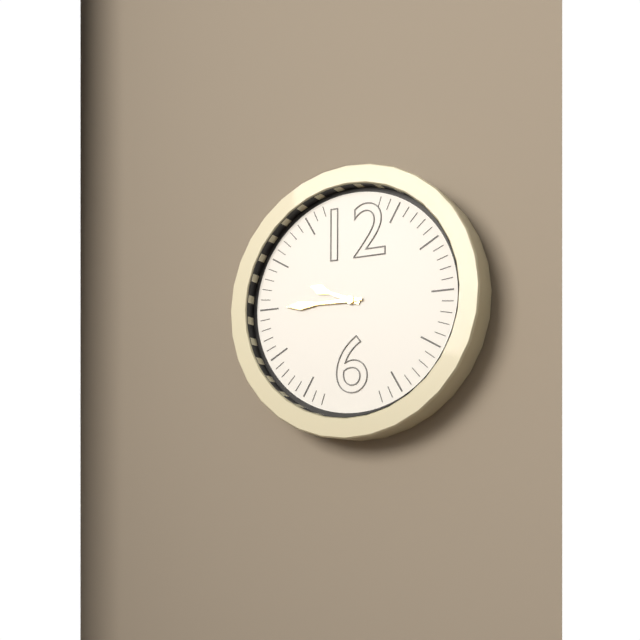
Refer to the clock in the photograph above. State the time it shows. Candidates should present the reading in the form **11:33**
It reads **9:45**
